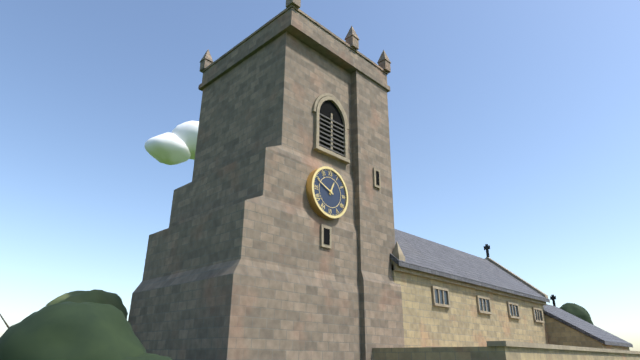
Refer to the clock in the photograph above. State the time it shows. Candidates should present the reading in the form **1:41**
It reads **12:49**
